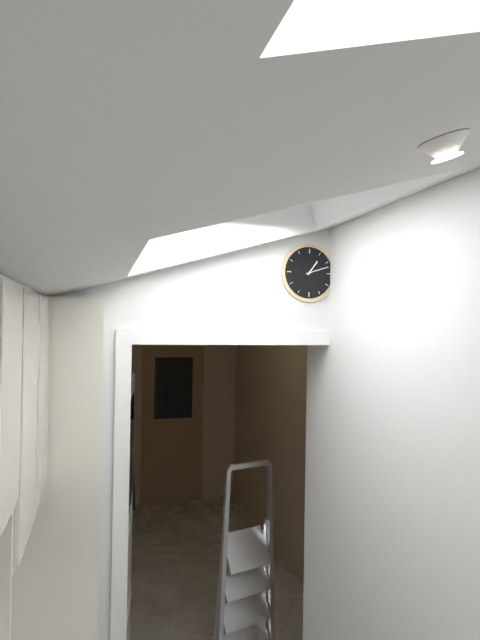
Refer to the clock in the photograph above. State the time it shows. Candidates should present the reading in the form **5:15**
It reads **1:12**
